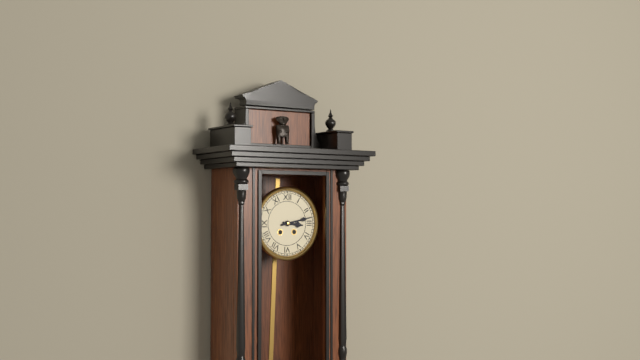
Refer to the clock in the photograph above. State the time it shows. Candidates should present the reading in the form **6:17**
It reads **3:13**
